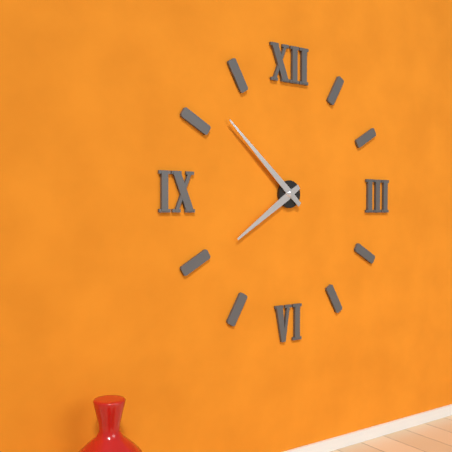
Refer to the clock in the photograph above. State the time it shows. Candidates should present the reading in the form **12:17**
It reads **7:52**
